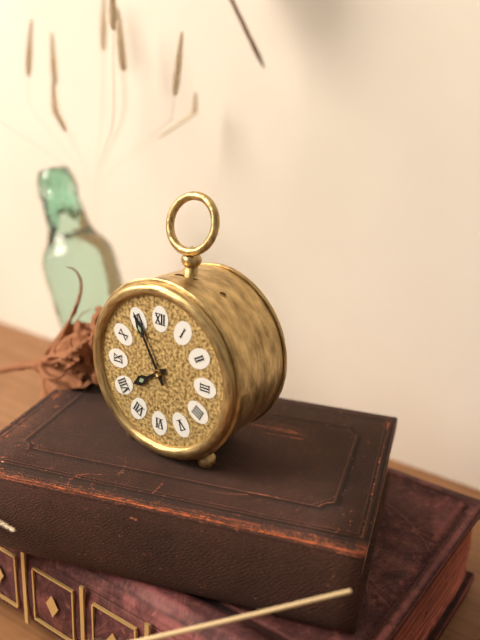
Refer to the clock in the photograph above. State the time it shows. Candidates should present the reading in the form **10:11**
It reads **7:55**
